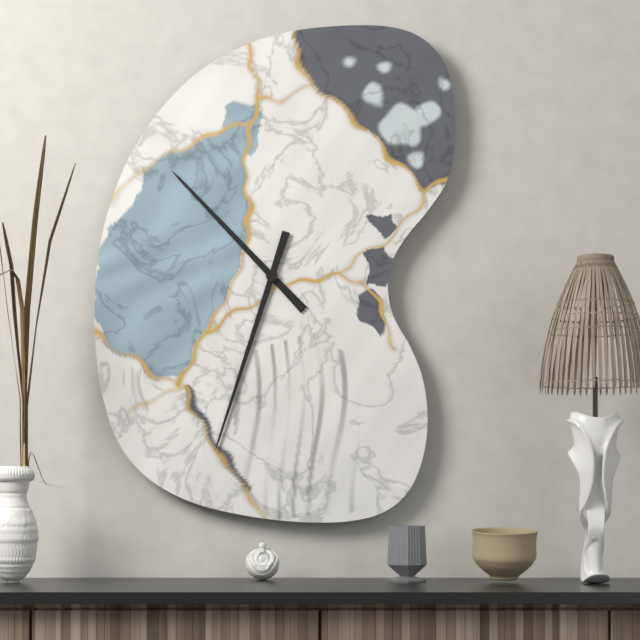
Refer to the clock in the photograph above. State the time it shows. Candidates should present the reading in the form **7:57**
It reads **10:33**
